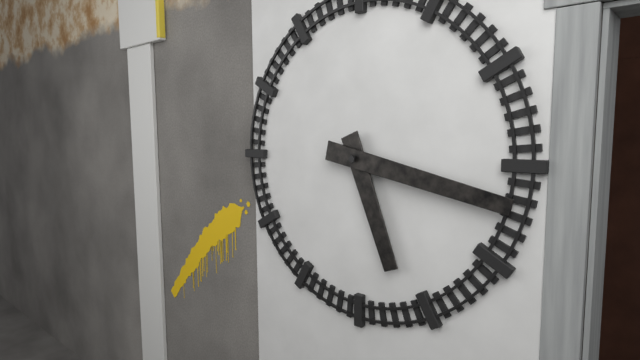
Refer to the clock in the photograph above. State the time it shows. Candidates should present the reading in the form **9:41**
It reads **5:17**
